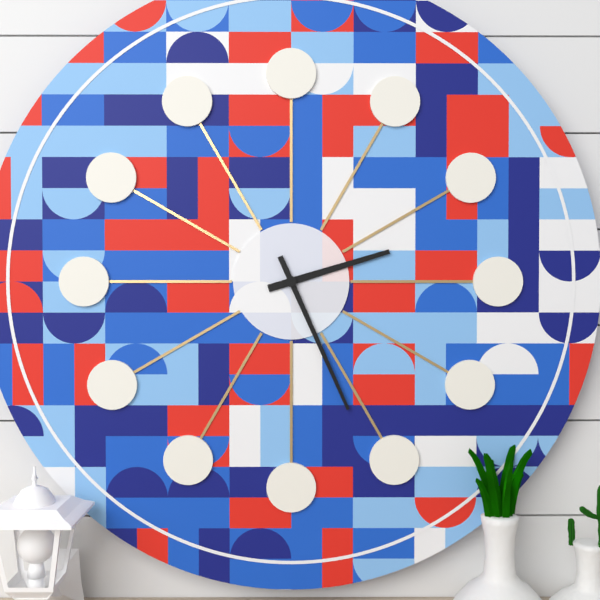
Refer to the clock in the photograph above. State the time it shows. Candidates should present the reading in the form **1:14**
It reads **2:26**
